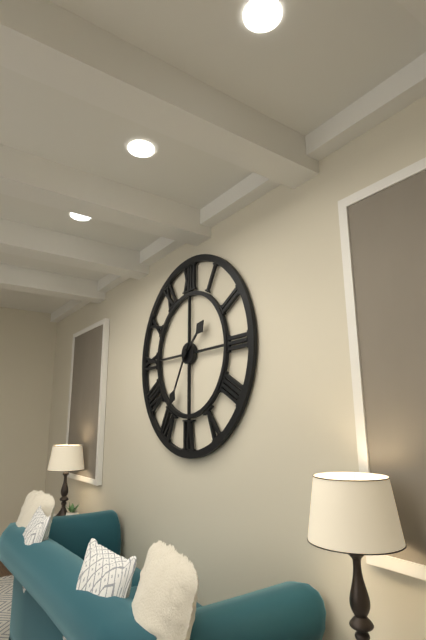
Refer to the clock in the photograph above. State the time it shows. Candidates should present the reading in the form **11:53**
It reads **1:35**
